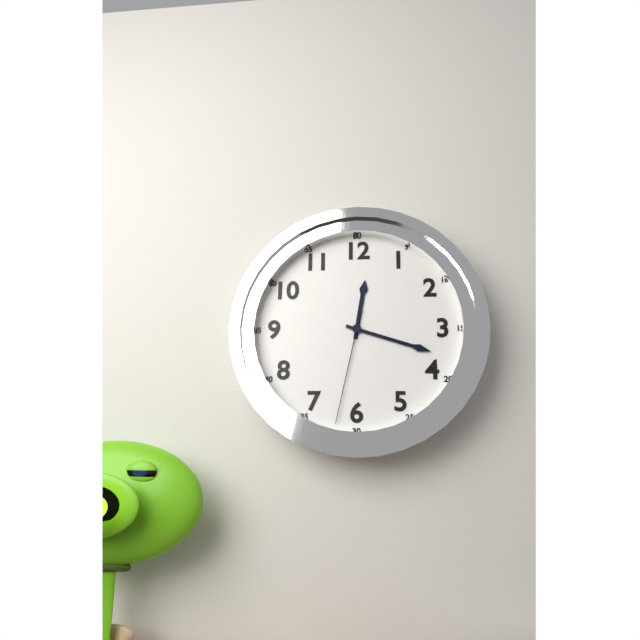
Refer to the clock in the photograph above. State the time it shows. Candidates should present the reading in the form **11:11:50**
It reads **12:18:32**
